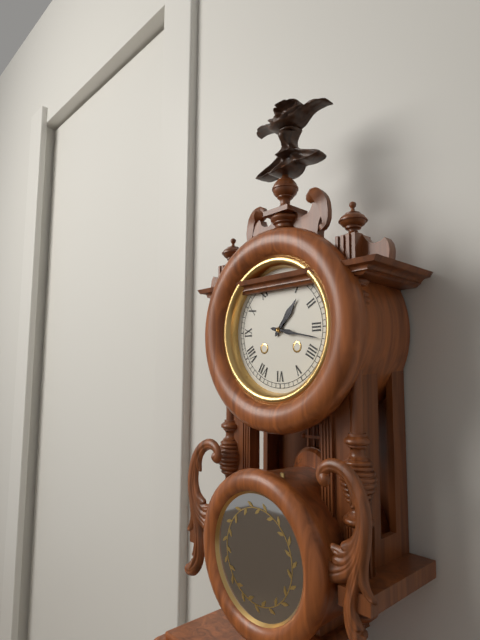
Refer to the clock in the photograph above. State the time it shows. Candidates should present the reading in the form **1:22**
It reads **1:17**
